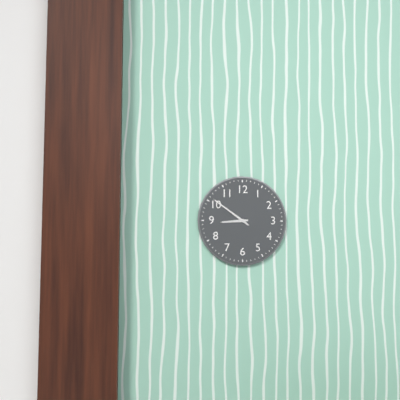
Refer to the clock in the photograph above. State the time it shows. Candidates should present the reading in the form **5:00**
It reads **8:51**
